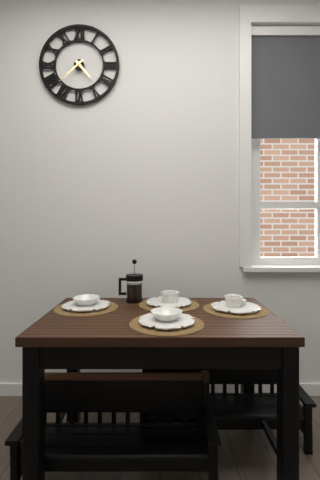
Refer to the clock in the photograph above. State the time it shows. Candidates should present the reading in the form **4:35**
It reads **4:38**
